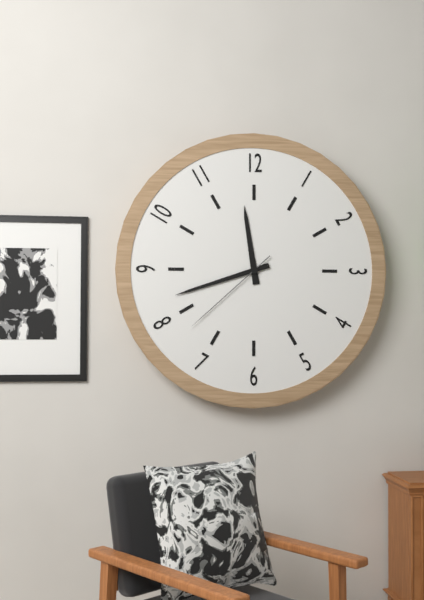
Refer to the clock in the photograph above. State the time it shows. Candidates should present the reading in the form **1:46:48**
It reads **11:42:38**
